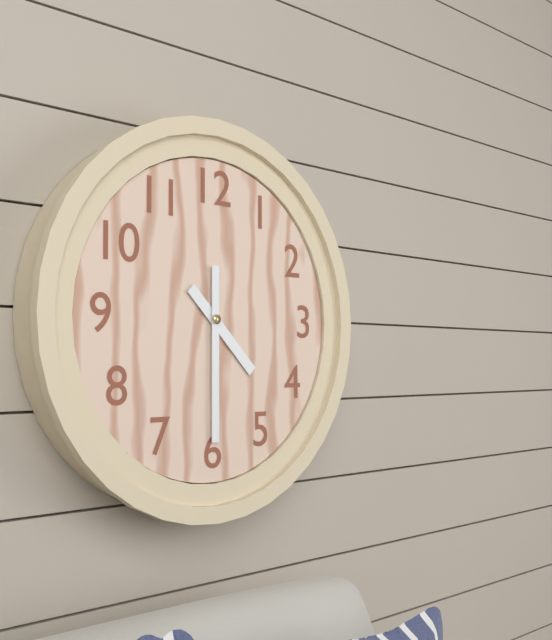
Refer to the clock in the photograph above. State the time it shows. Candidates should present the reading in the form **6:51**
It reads **4:30**
